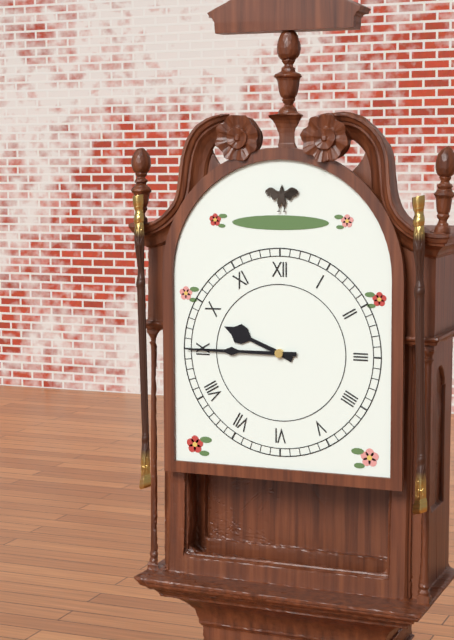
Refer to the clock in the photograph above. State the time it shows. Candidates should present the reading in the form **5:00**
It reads **9:45**
